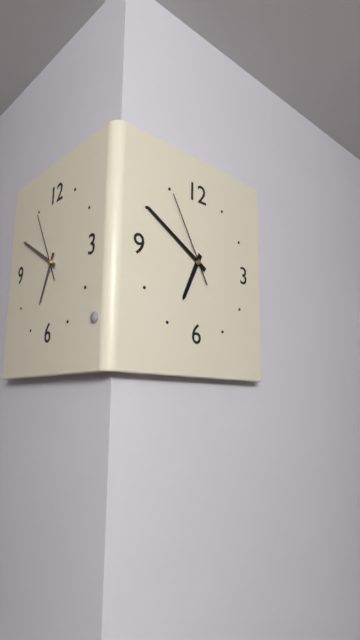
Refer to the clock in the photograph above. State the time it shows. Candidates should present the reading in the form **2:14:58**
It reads **6:50:55**
